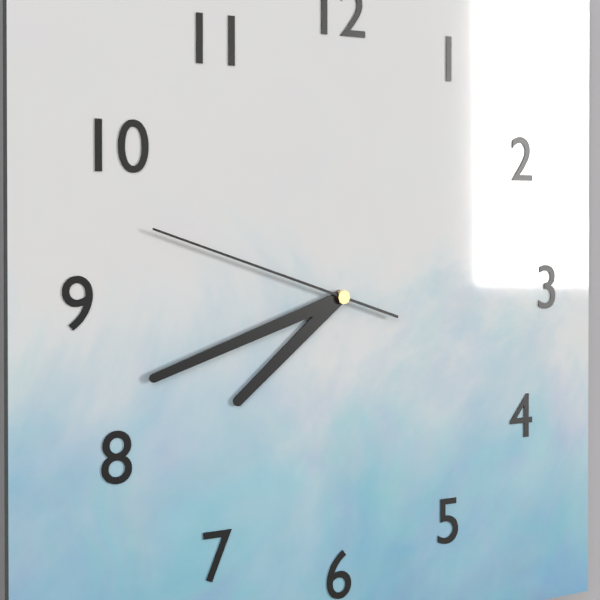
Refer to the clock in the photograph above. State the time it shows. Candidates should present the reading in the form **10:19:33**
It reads **7:42:48**
